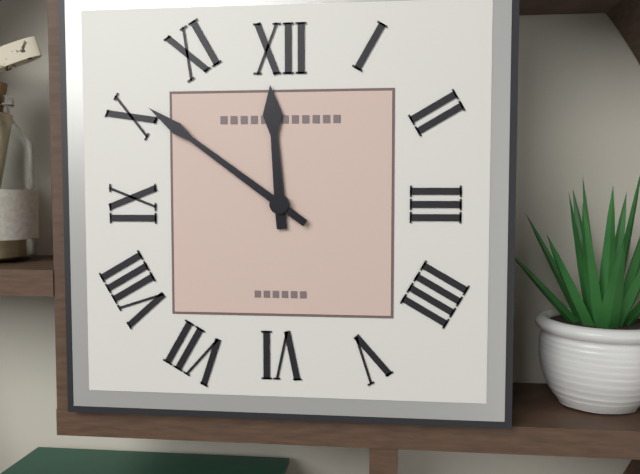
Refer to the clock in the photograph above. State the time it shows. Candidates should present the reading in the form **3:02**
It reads **11:51**
